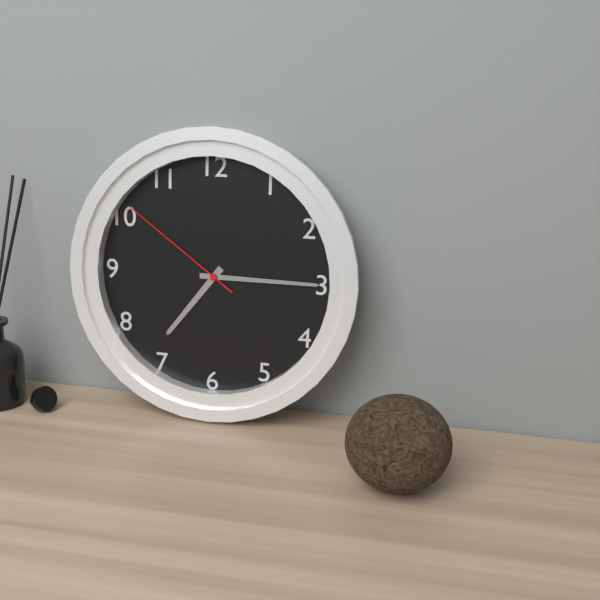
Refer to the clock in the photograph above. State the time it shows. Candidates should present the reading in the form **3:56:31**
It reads **7:15:51**
